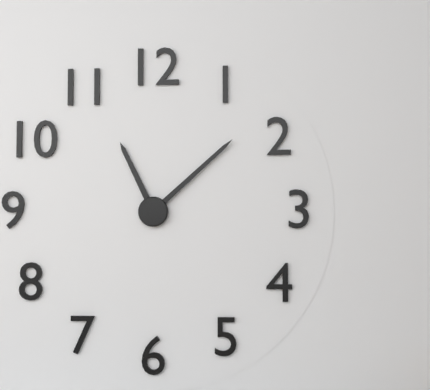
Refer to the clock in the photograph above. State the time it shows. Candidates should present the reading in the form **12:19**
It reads **11:08**
